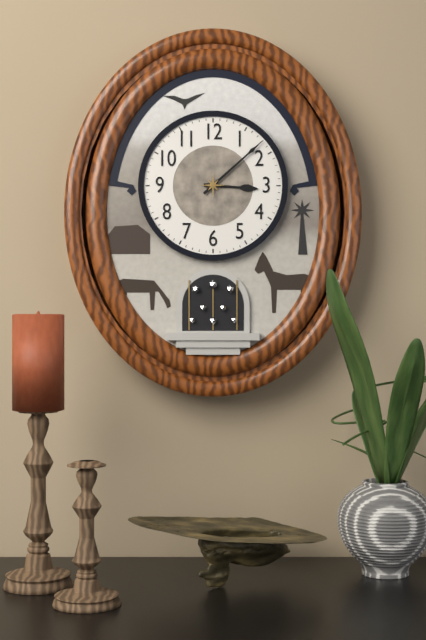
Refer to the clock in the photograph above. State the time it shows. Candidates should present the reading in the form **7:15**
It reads **3:08**
